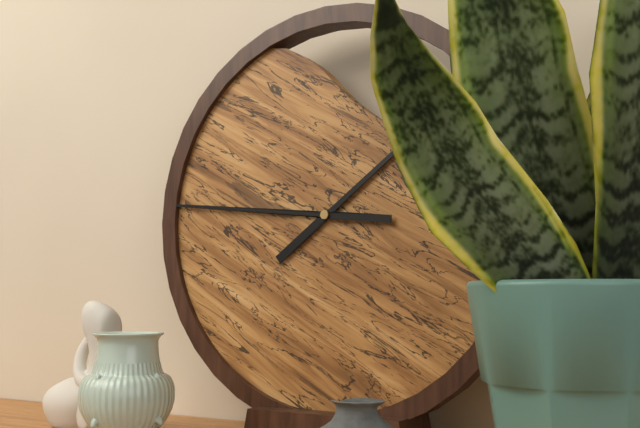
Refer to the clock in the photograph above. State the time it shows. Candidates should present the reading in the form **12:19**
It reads **1:46**
